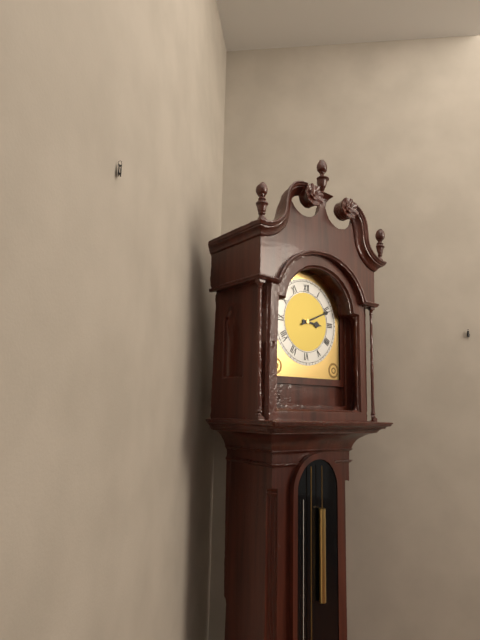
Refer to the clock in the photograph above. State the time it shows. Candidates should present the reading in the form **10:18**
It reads **3:11**
